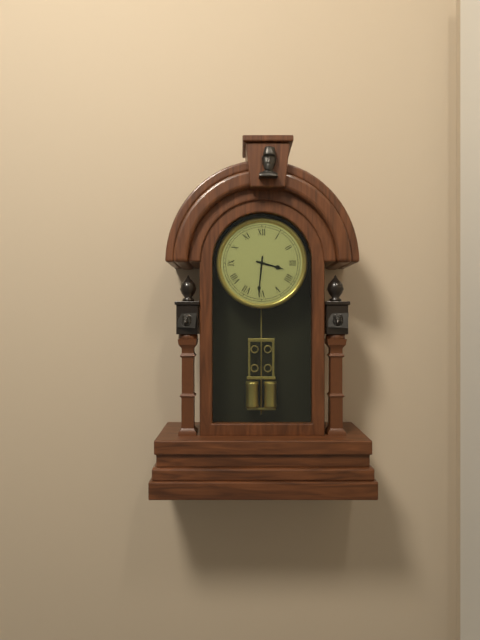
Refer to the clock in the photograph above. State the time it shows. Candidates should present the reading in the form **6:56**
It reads **3:31**
